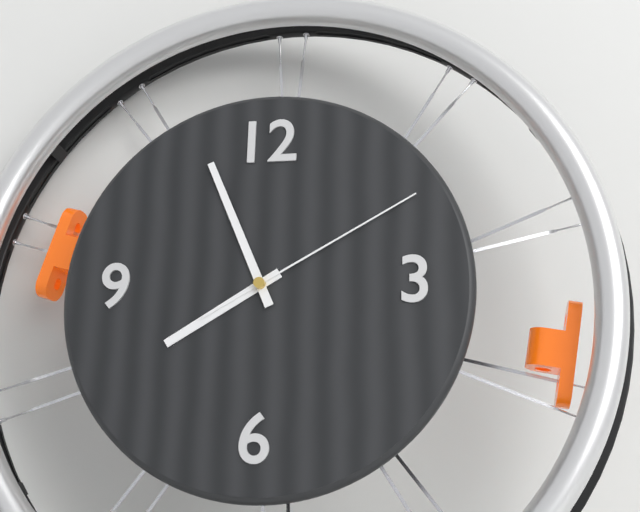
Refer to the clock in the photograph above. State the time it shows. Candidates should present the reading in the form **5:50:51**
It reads **7:56:10**
